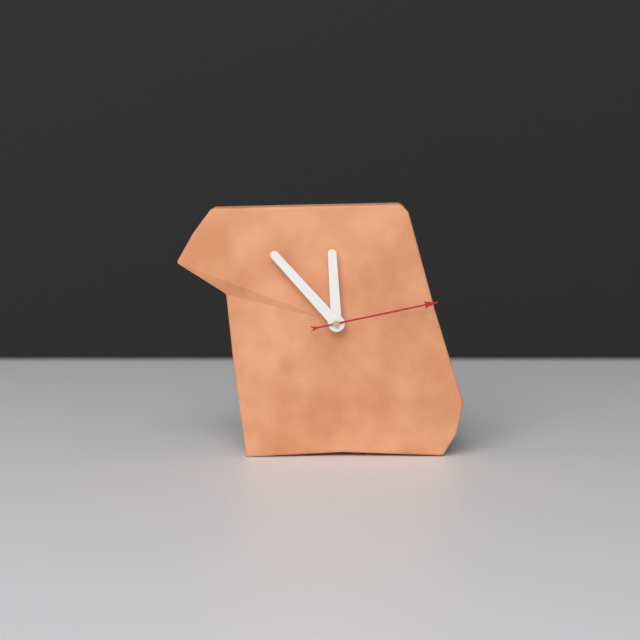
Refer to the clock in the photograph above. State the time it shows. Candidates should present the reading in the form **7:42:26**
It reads **11:53:13**
